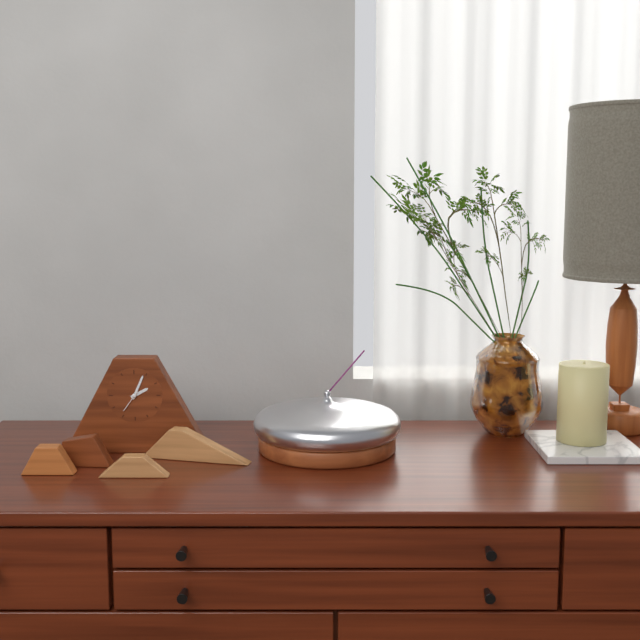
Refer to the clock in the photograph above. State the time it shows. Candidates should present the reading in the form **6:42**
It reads **2:04**
